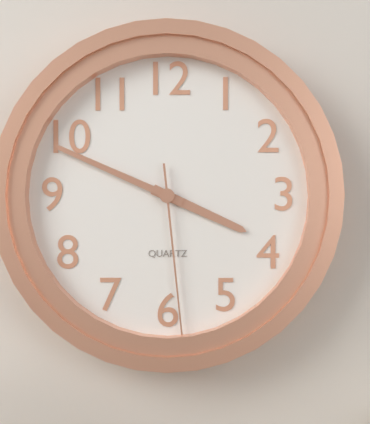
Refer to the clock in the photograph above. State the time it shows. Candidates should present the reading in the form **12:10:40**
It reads **3:49:29**
